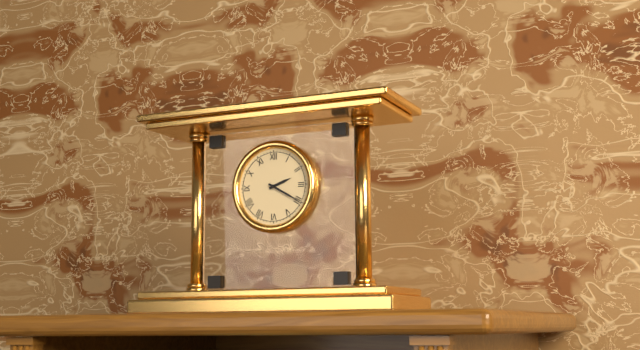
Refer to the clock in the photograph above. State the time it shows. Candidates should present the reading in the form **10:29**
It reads **2:20**
